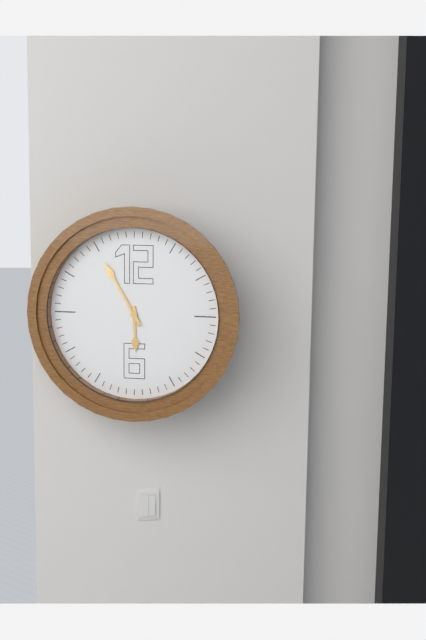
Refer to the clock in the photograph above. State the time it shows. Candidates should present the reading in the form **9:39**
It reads **5:55**
